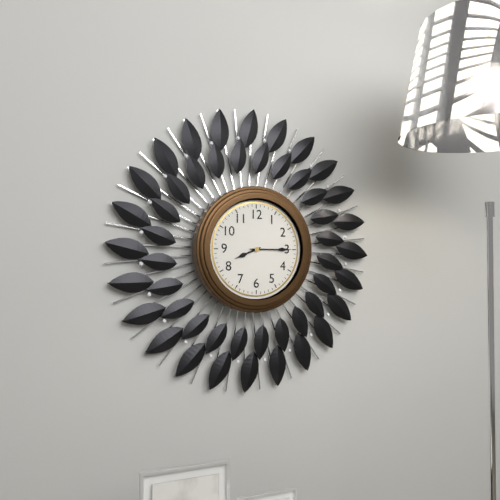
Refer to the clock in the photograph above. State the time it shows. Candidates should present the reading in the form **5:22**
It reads **8:15**
